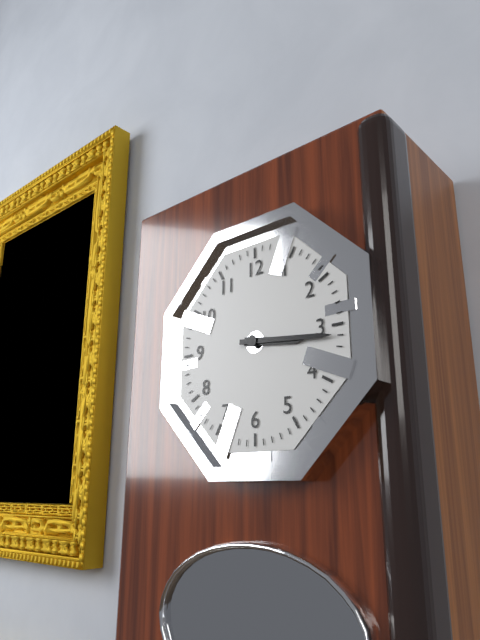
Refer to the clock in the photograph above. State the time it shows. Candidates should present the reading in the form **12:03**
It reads **3:16**
